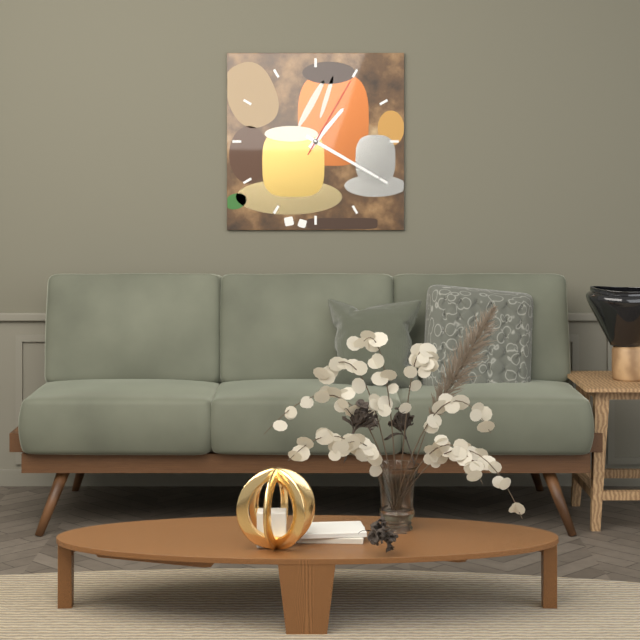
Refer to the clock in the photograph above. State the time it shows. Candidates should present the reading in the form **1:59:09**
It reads **1:20:05**
